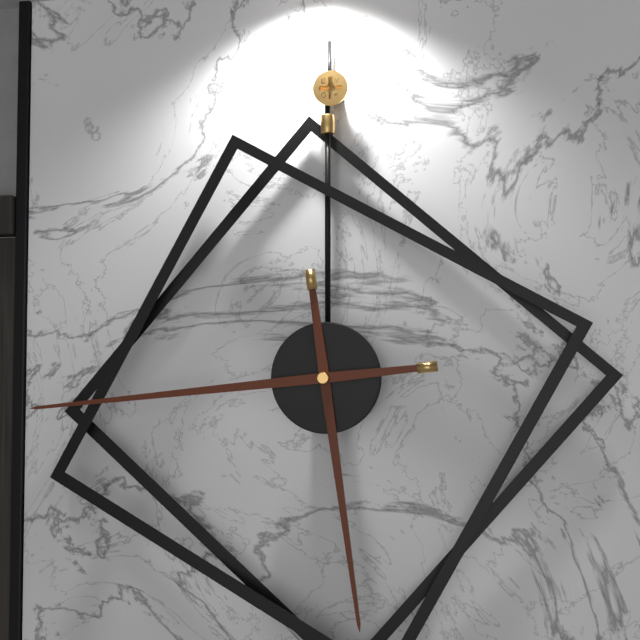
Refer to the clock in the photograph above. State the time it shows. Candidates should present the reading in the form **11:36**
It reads **5:44**
